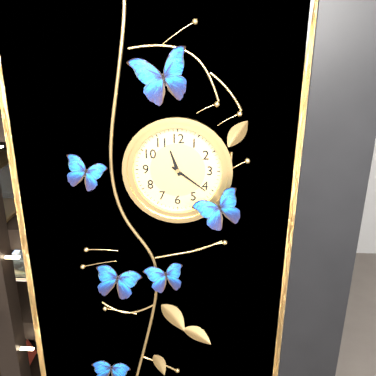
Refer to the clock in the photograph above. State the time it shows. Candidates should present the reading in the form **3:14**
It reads **11:21**
